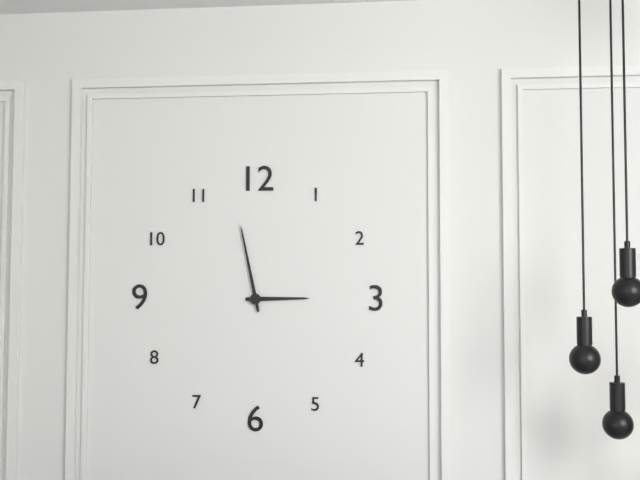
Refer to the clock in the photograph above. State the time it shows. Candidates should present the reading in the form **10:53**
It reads **2:58**
